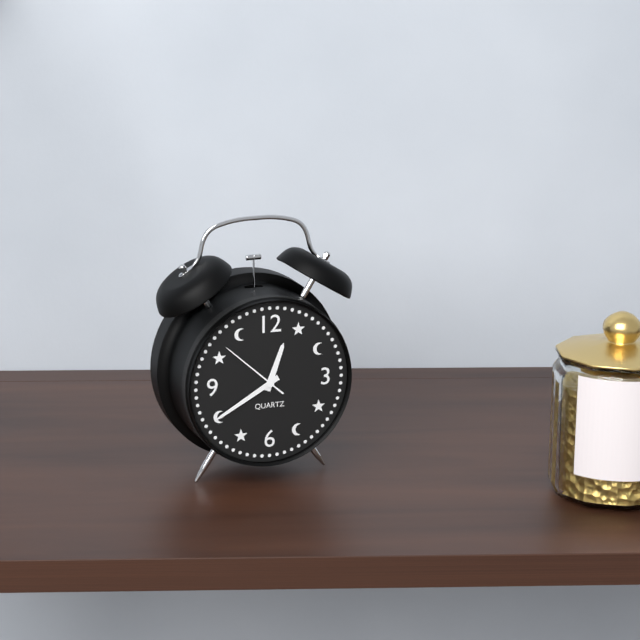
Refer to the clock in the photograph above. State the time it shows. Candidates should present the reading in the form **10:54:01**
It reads **12:40:52**
